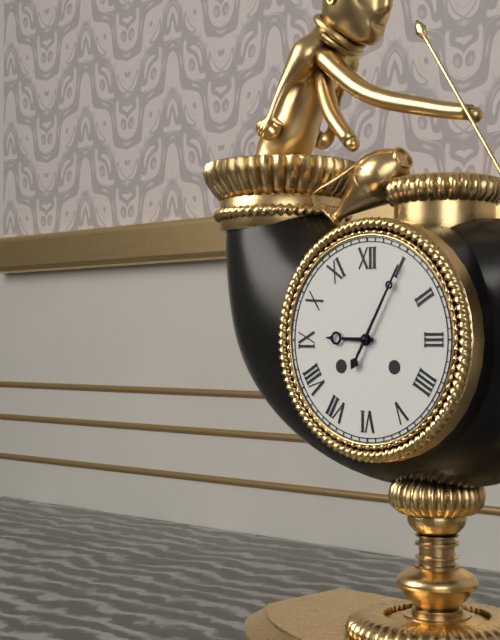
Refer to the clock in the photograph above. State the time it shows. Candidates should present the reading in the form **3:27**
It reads **9:05**
